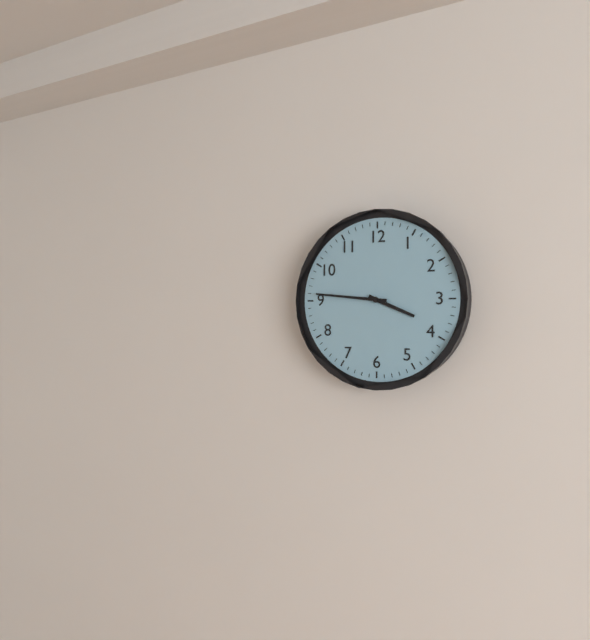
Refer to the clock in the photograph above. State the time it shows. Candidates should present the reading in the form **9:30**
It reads **3:46**
